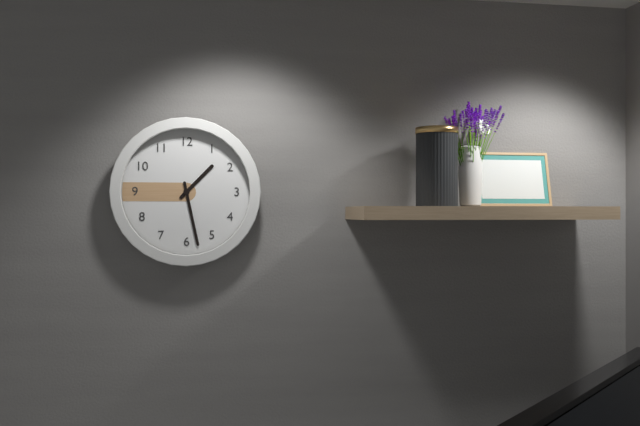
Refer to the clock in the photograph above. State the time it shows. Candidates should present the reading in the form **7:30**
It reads **1:28**
